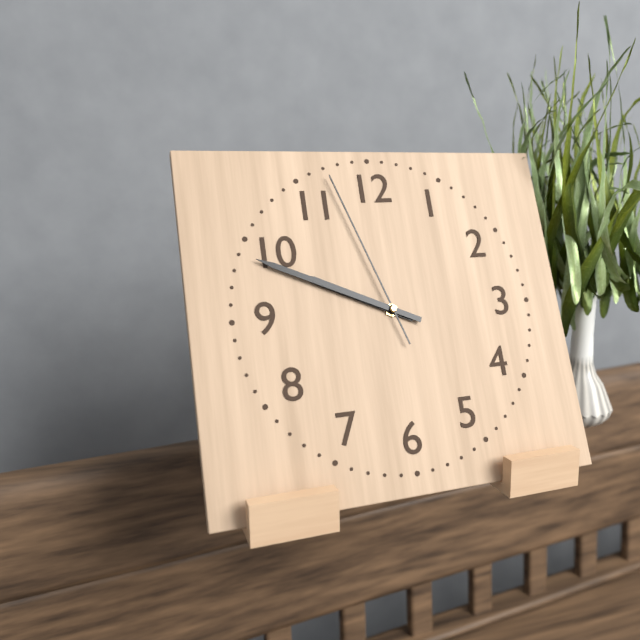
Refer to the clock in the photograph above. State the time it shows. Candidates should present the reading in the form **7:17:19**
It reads **9:49:57**
